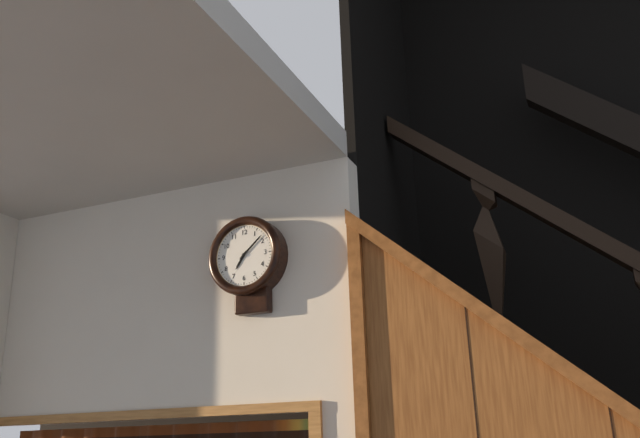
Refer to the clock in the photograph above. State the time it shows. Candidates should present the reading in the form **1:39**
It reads **7:08**
